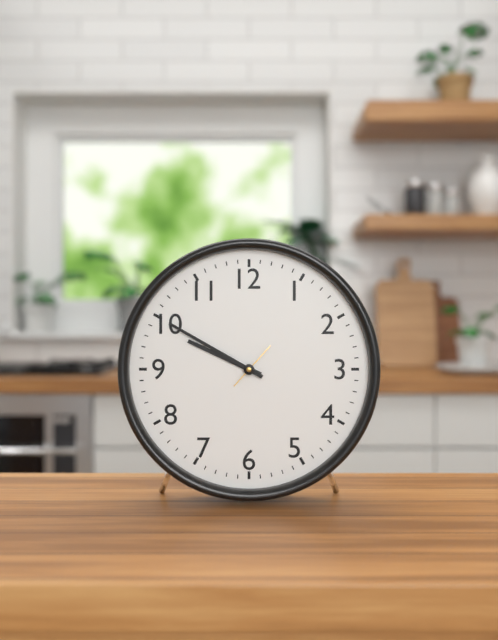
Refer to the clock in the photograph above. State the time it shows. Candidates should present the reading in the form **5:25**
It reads **9:50**
